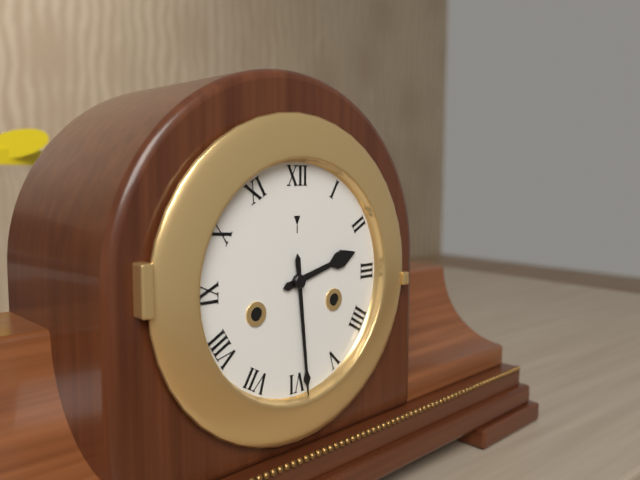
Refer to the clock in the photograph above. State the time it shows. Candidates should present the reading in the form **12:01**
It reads **2:29**
